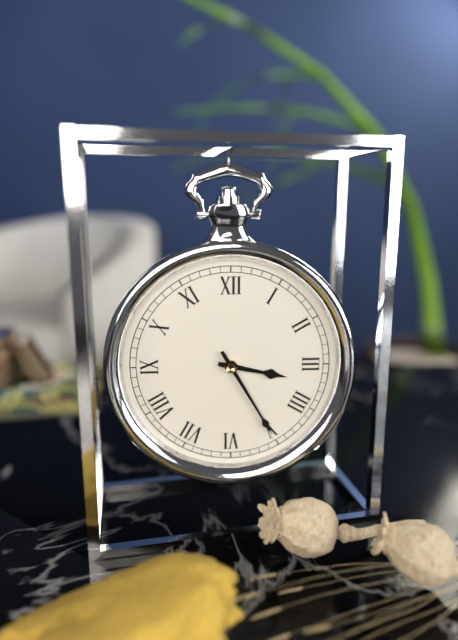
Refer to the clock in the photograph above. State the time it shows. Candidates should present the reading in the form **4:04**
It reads **3:25**
